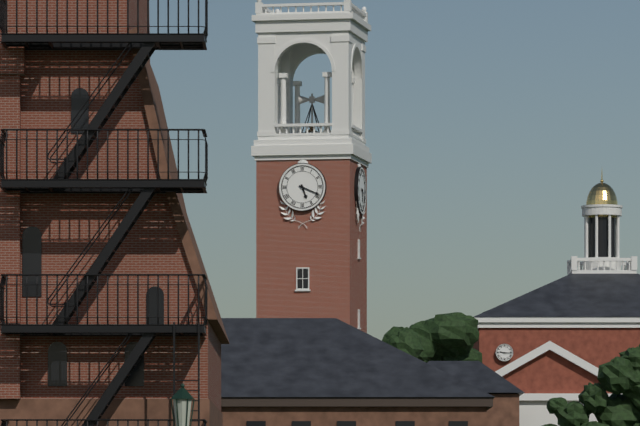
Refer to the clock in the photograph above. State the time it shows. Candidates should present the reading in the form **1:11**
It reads **5:19**
